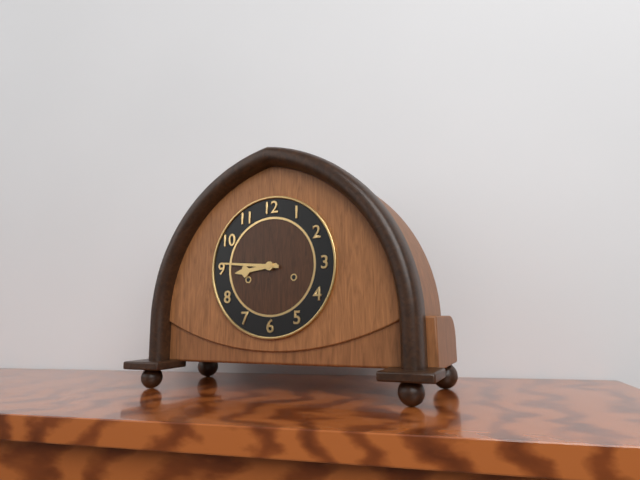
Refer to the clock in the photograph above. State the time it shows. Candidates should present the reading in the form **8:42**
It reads **8:46**
